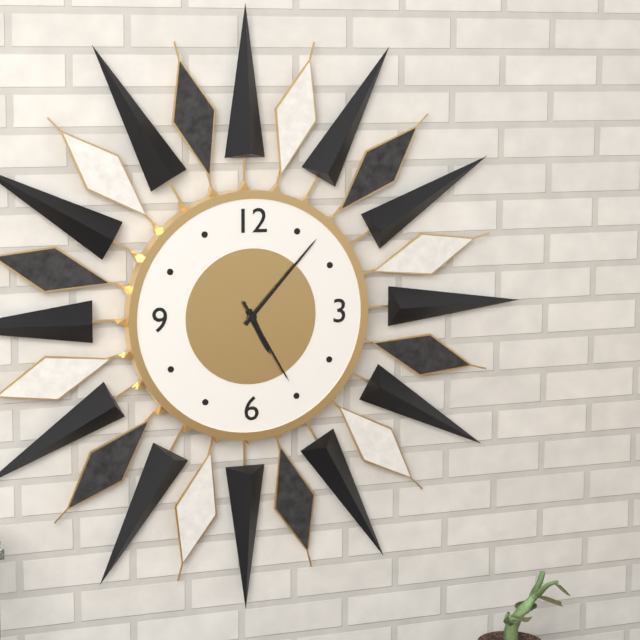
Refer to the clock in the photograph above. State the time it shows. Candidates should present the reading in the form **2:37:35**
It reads **5:07:25**
